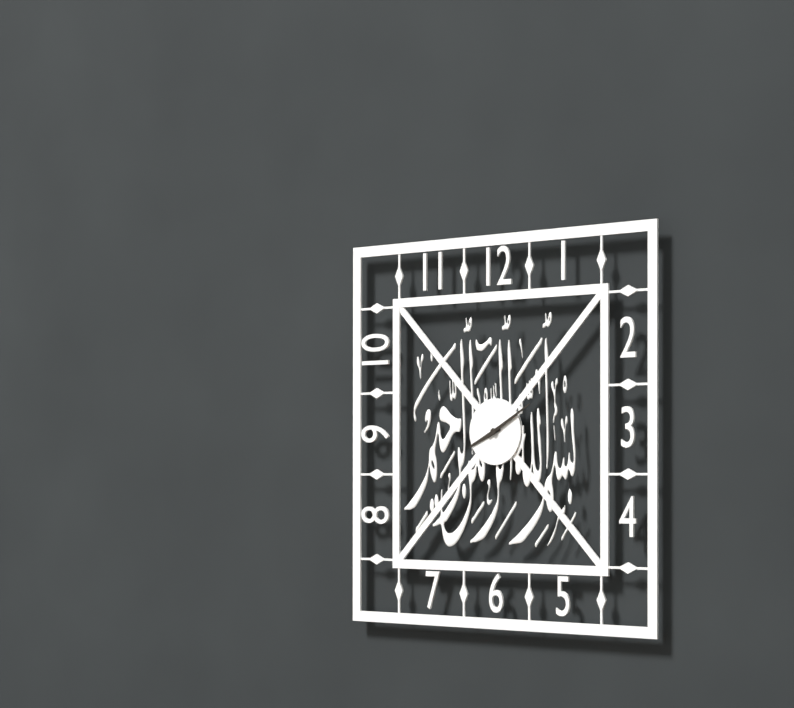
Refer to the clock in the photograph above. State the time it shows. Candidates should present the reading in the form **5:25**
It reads **8:10**
